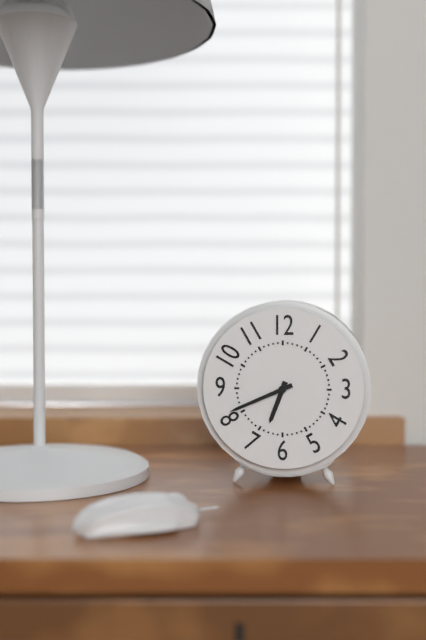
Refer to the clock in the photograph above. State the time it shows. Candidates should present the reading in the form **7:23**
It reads **6:41**
